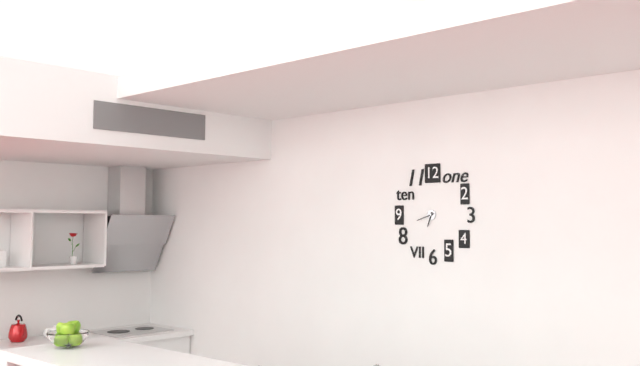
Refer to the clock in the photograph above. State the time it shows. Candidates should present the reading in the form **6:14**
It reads **6:42**
